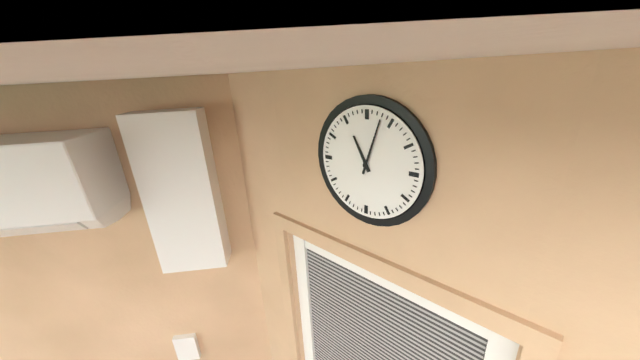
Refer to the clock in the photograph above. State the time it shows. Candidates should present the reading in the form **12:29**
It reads **11:03**
